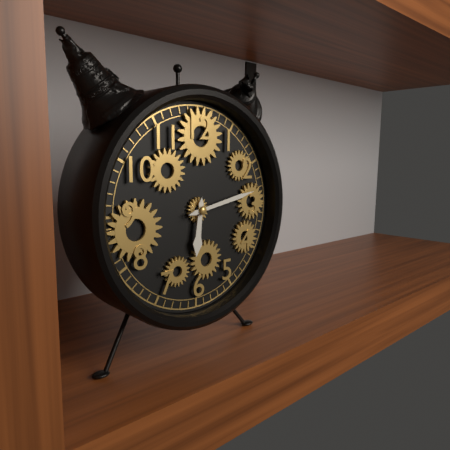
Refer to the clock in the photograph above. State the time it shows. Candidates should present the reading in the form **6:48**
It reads **6:13**
